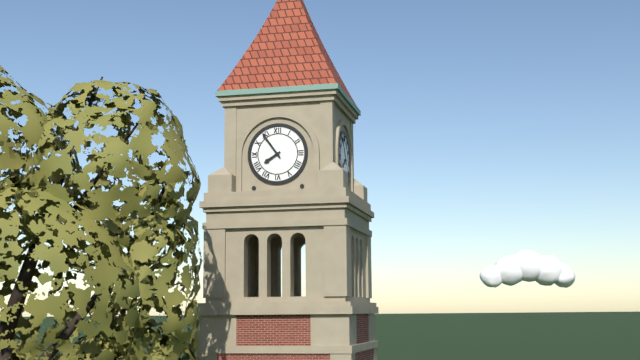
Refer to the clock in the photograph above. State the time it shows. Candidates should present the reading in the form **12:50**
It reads **7:54**
